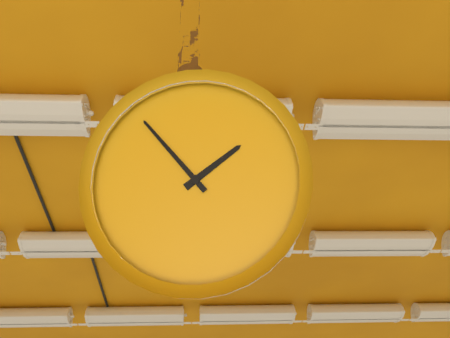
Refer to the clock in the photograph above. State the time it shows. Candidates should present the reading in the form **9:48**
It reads **1:54**
